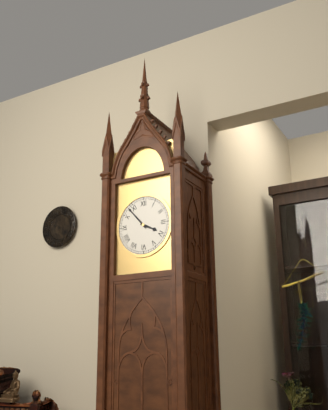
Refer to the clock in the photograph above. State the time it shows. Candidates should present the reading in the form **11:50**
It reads **3:53**
